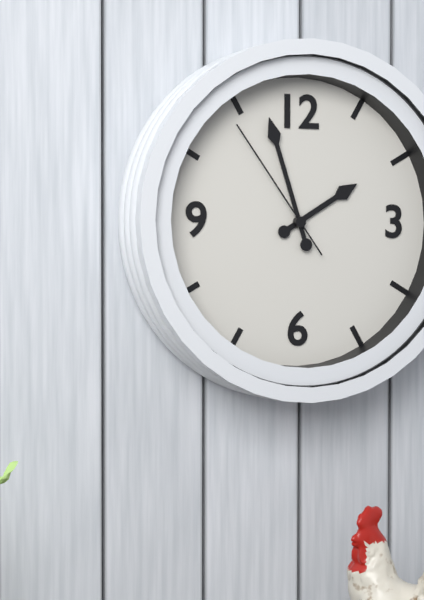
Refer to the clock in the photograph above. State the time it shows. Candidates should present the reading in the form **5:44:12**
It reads **1:57:54**
